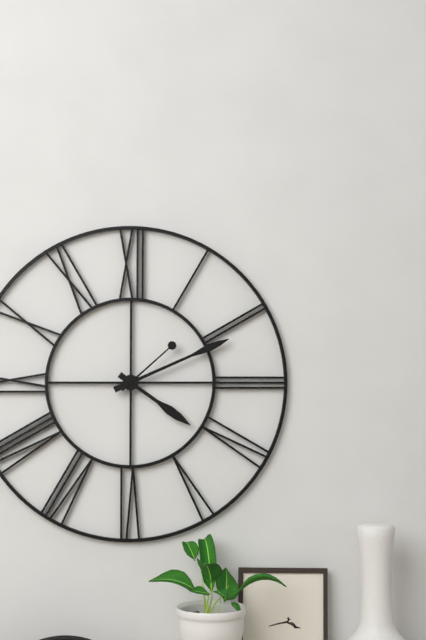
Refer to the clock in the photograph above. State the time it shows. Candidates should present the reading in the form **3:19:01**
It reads **4:11:08**
